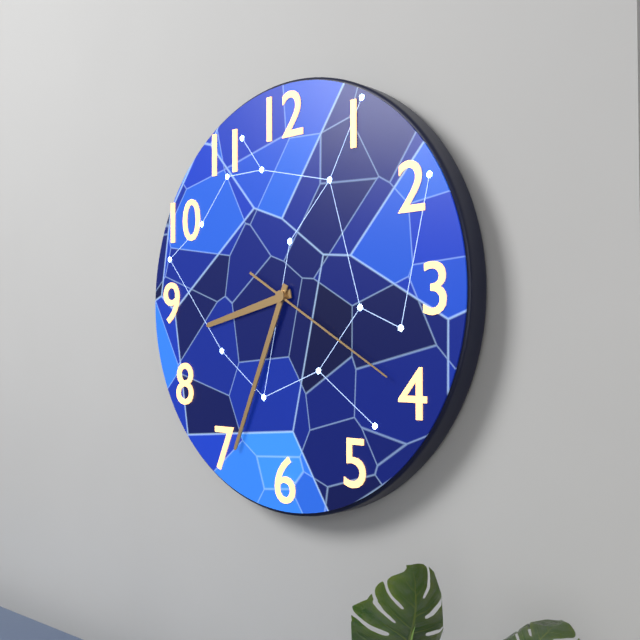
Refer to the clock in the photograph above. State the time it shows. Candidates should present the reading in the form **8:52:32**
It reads **8:34:20**
